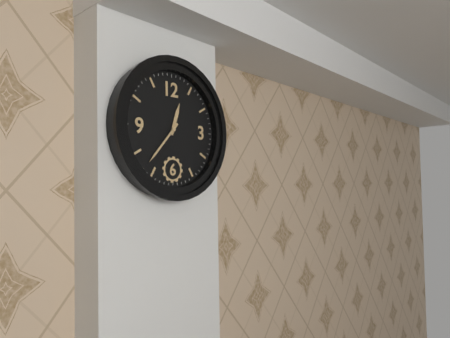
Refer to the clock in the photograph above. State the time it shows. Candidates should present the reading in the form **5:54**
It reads **12:37**
